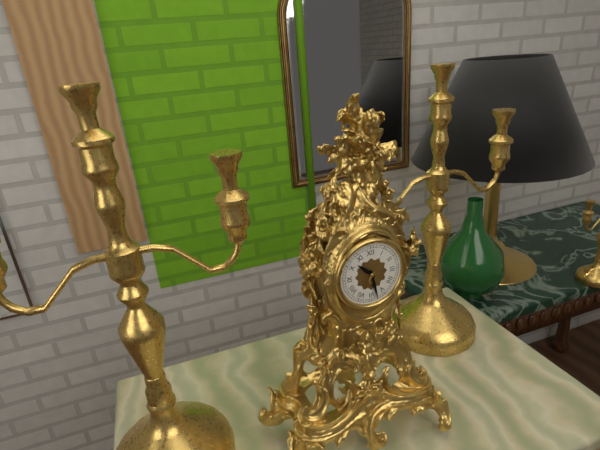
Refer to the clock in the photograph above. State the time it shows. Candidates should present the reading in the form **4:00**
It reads **10:28**
